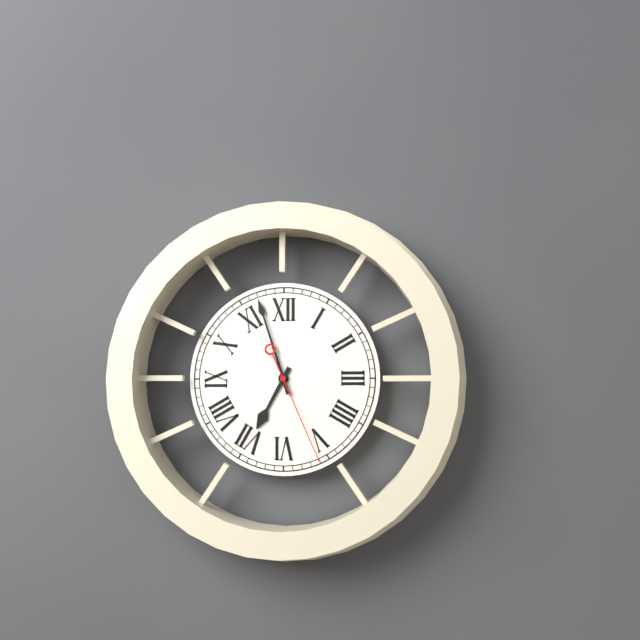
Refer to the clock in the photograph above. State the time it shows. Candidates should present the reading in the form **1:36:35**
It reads **6:57:26**
